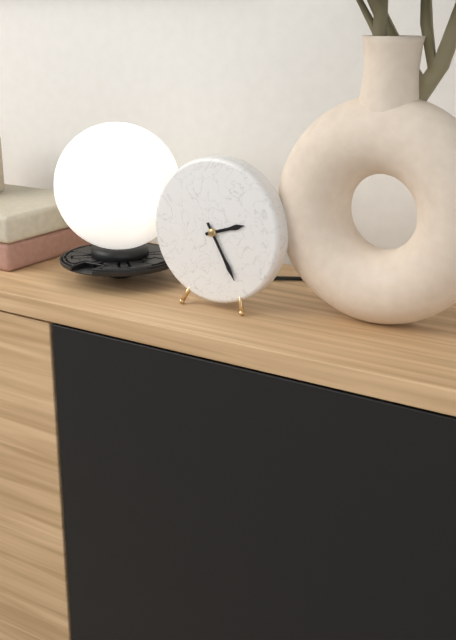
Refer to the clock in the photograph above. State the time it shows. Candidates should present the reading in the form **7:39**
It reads **2:25**
